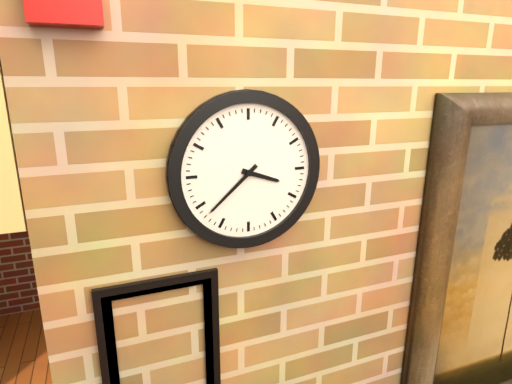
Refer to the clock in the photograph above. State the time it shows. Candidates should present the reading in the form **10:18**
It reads **3:38**
